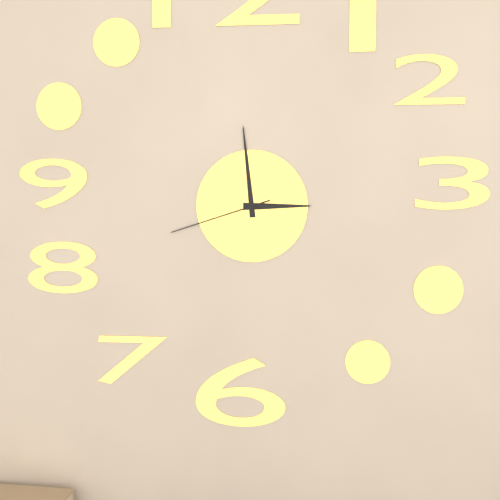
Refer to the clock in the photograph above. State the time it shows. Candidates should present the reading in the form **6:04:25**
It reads **2:59:42**
